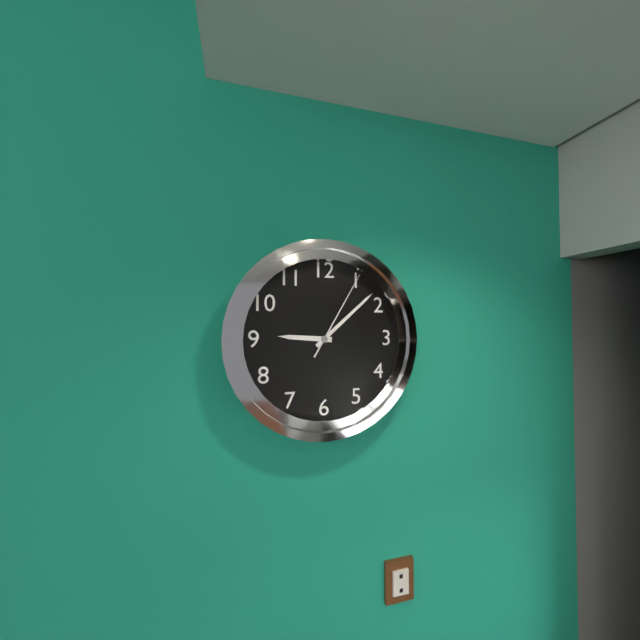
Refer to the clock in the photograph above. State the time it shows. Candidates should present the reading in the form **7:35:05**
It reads **9:08:05**
